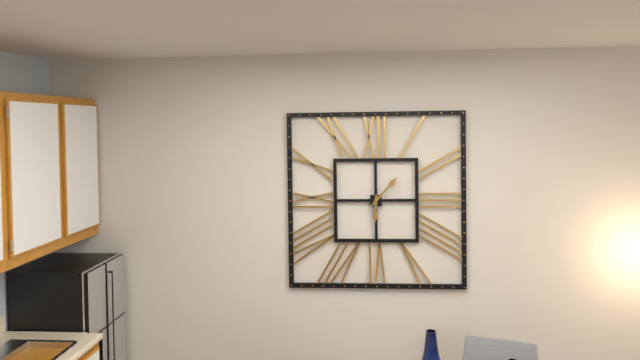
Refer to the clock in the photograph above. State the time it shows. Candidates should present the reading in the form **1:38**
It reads **6:07**
